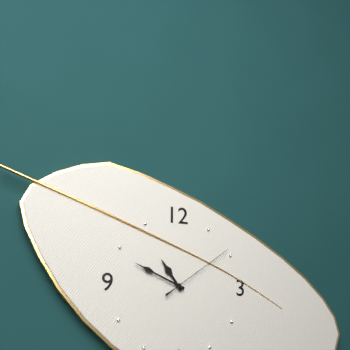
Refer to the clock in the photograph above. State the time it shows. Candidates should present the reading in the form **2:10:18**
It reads **10:49:09**
